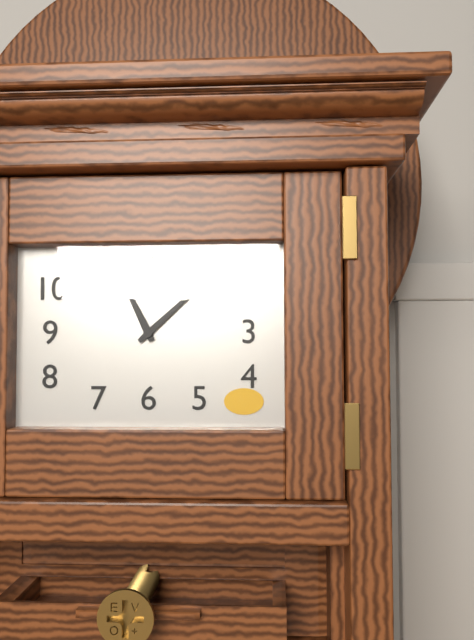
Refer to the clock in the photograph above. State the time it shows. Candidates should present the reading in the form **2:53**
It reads **11:08**
